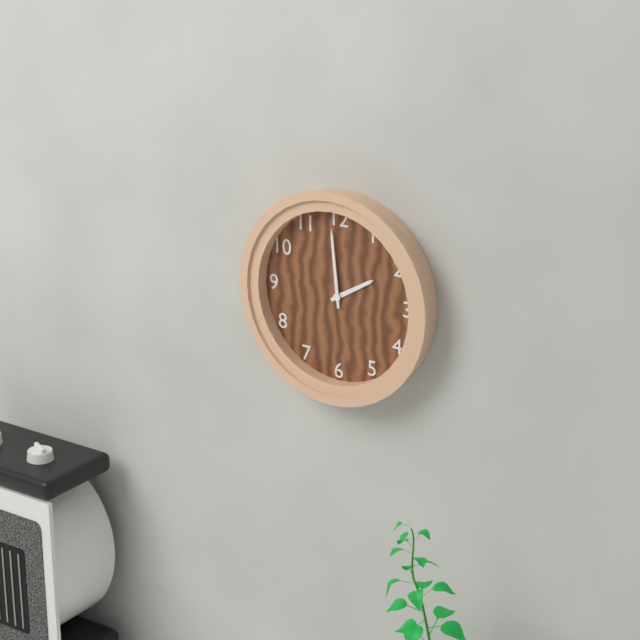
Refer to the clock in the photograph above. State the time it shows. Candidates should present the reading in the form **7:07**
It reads **1:59**
